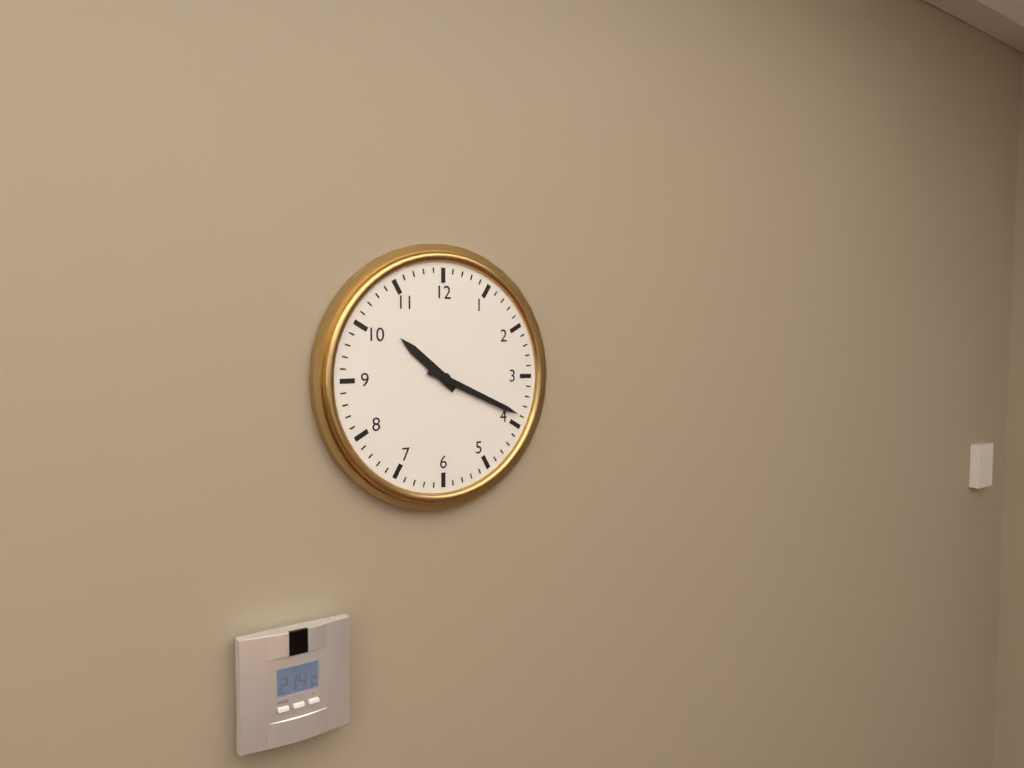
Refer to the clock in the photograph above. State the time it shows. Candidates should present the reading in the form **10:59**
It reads **10:19**
